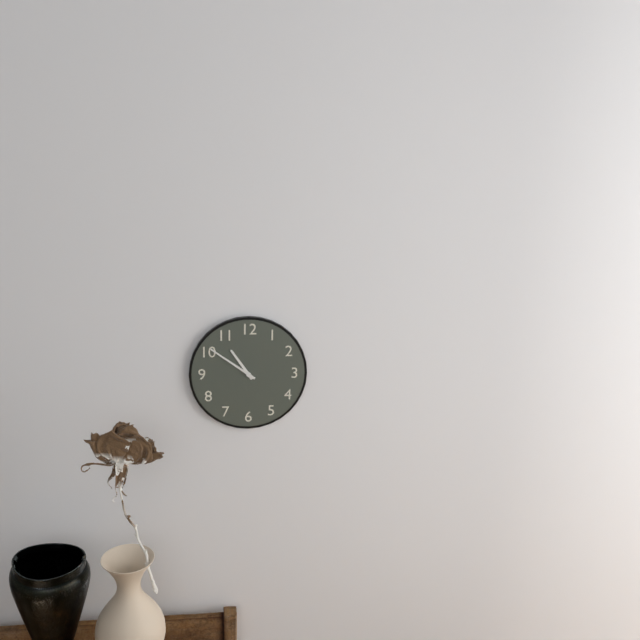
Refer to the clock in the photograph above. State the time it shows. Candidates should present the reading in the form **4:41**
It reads **10:51**
